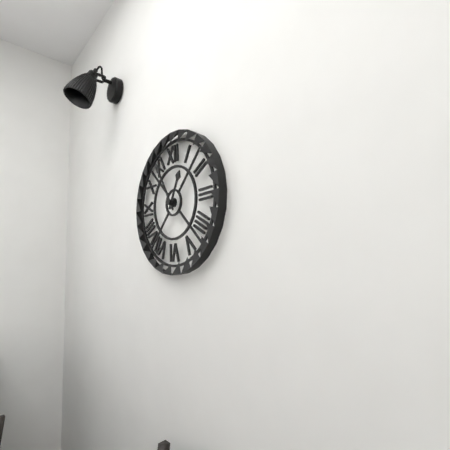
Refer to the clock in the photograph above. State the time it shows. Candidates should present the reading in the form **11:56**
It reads **12:55**
